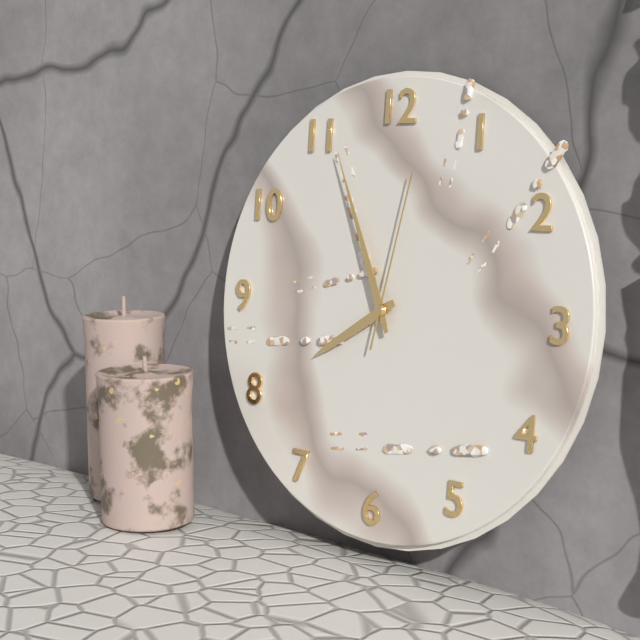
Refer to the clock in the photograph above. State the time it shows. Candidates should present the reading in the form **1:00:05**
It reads **7:56:02**
